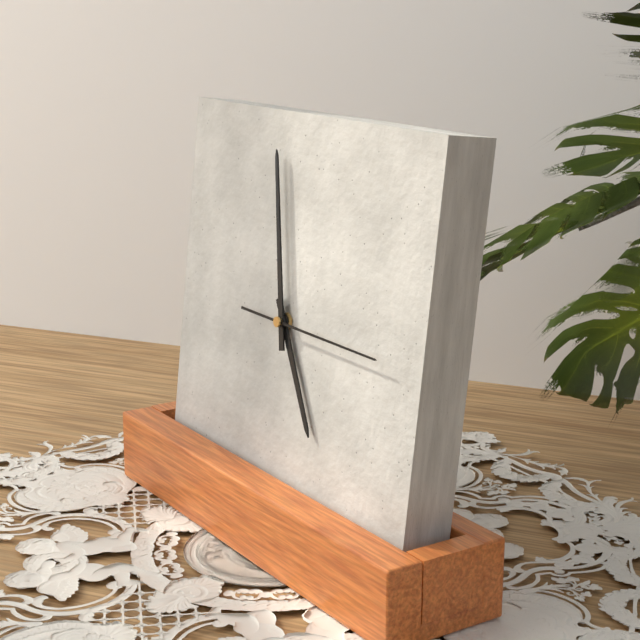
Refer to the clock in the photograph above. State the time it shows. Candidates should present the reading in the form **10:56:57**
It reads **4:58:15**
